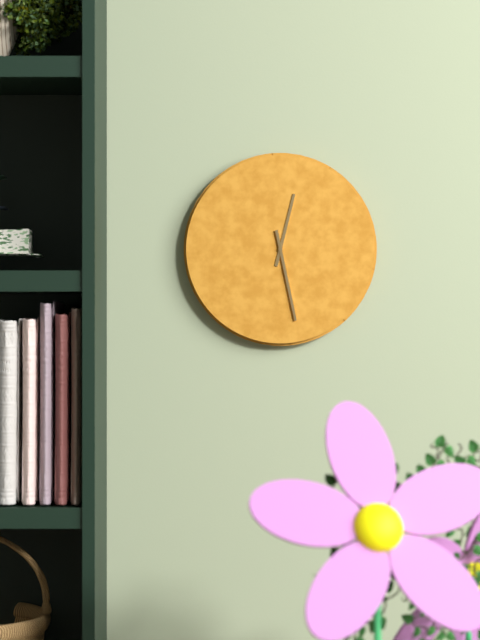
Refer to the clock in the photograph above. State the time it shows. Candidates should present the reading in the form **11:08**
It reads **12:28**
